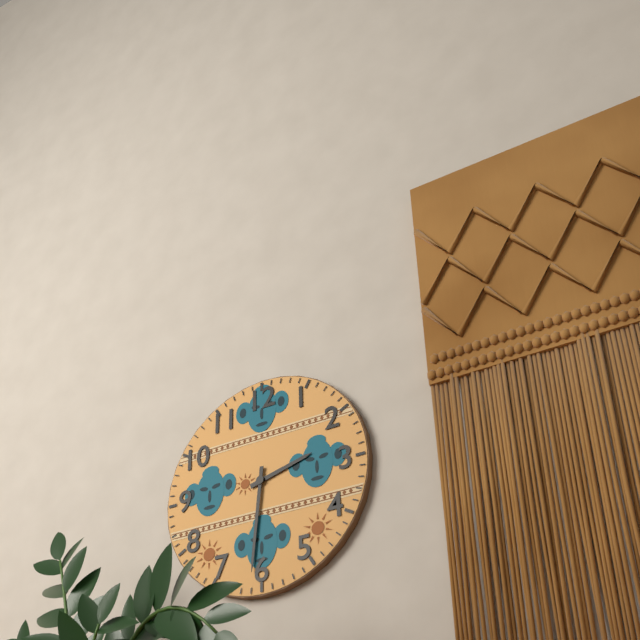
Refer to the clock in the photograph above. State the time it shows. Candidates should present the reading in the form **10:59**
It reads **2:31**
